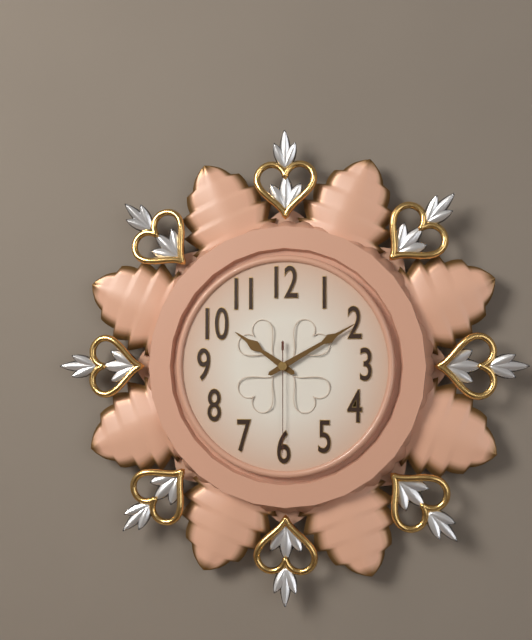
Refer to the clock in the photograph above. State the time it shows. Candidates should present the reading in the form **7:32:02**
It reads **10:10:30**
